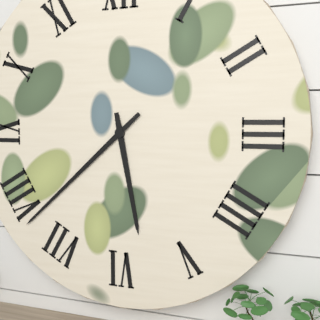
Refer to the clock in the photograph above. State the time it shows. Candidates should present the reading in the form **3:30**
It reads **5:38**
